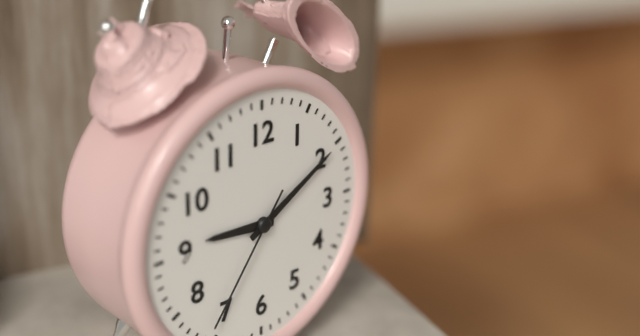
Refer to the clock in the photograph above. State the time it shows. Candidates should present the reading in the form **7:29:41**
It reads **9:10:36**
